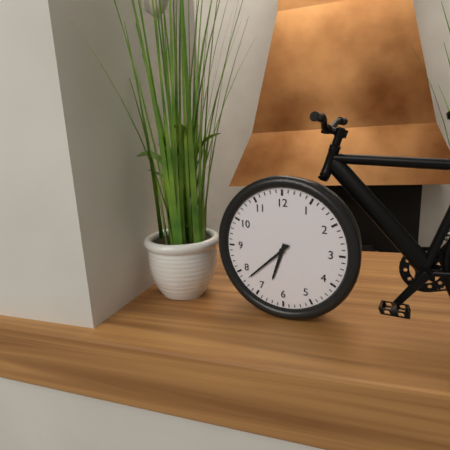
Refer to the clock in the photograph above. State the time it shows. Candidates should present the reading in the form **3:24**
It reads **6:38**
